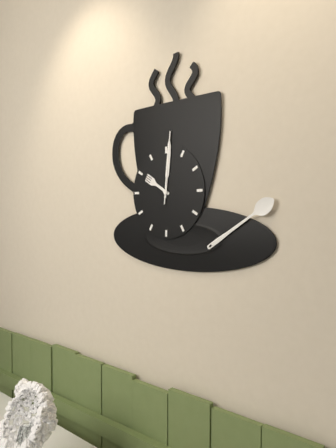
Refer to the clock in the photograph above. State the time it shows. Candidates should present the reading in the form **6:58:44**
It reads **10:01:01**
